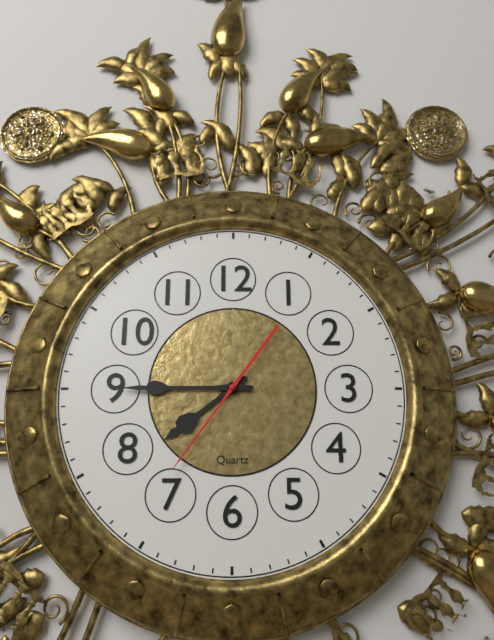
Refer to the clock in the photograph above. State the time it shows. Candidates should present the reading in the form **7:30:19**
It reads **7:45:36**
